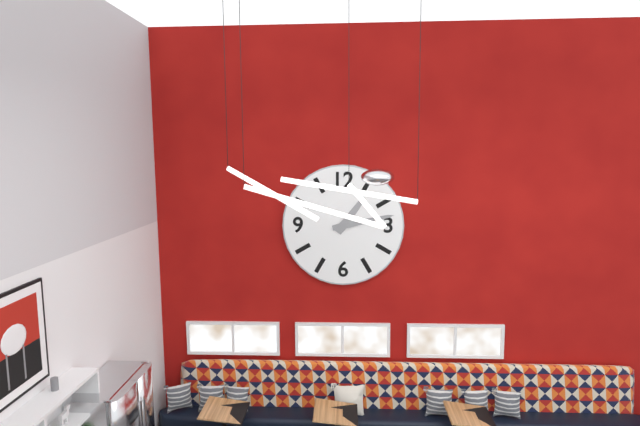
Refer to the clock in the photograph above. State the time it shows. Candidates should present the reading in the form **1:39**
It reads **1:13**
